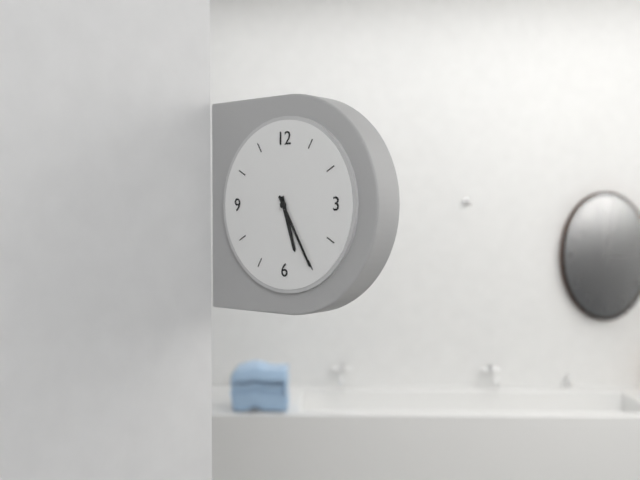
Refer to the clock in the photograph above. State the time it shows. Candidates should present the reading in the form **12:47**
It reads **5:25**
